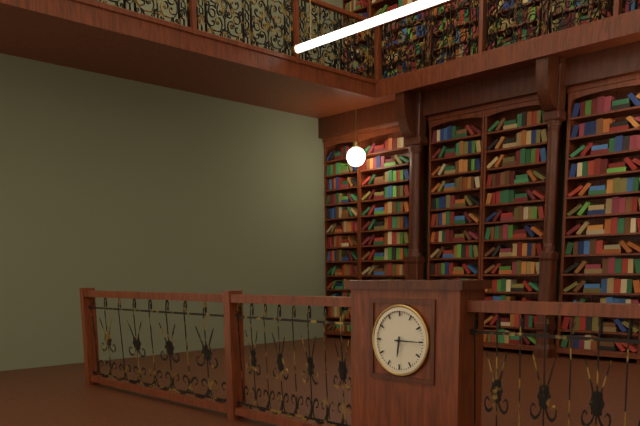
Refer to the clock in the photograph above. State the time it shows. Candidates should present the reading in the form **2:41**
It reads **6:15**
